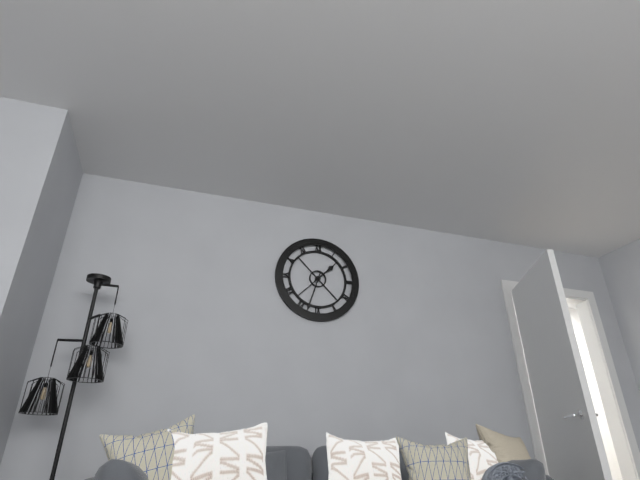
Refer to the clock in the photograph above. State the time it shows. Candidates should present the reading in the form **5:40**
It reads **1:33**
